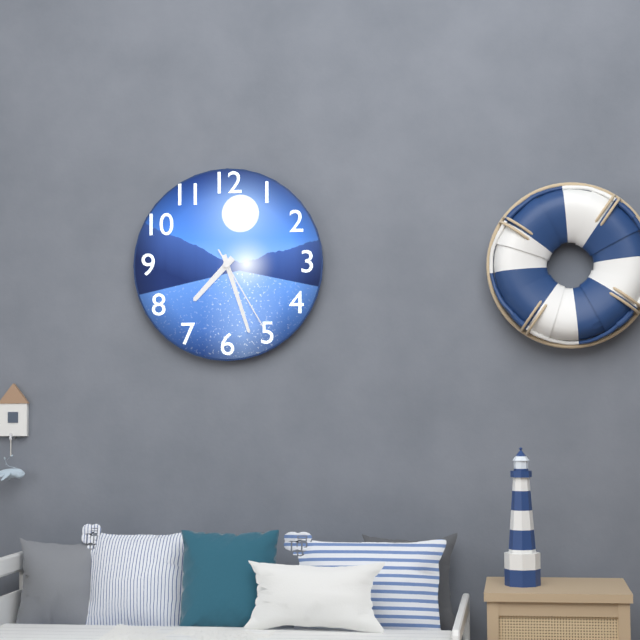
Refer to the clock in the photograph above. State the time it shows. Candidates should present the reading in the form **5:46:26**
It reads **7:27:25**
